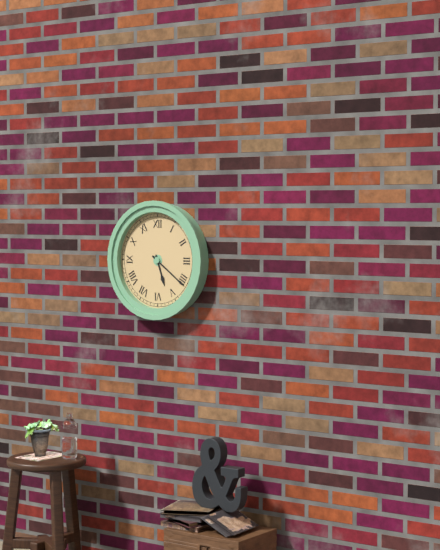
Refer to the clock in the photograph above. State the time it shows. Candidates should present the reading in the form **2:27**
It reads **5:21**
